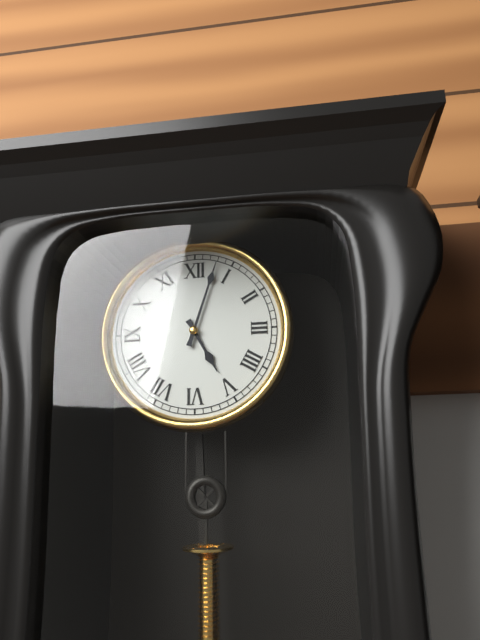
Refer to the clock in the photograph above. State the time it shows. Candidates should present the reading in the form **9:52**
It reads **5:03**
